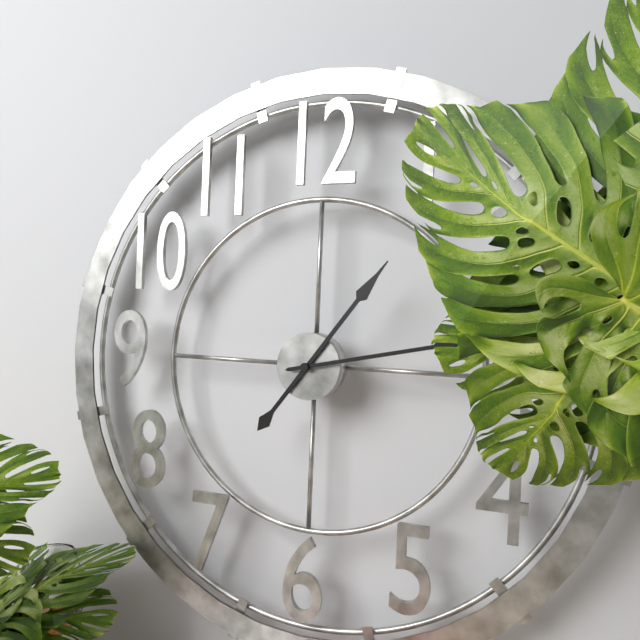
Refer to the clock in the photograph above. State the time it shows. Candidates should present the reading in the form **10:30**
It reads **1:13**
